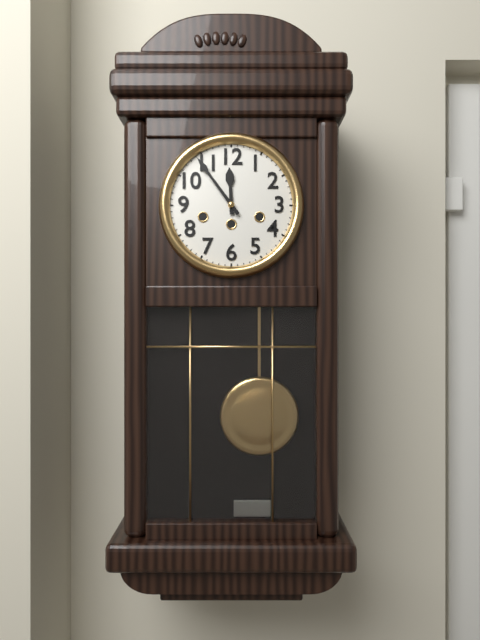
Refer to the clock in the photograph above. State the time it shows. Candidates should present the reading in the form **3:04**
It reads **11:54**
